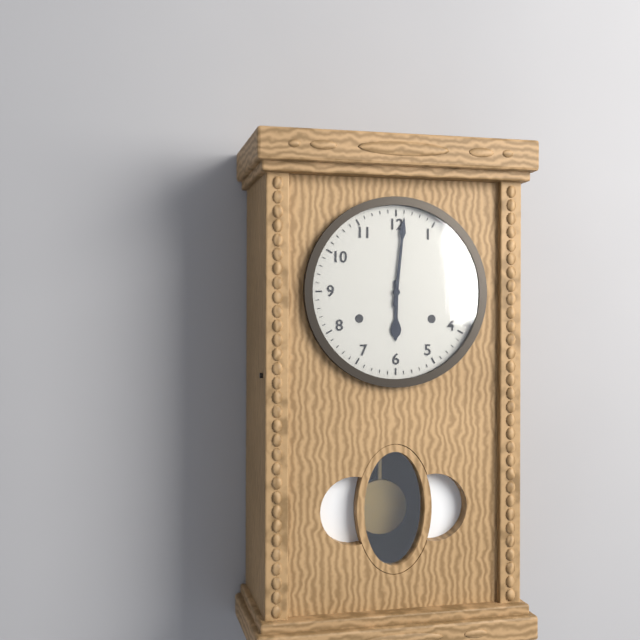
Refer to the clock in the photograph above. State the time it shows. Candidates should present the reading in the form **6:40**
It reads **6:01**
